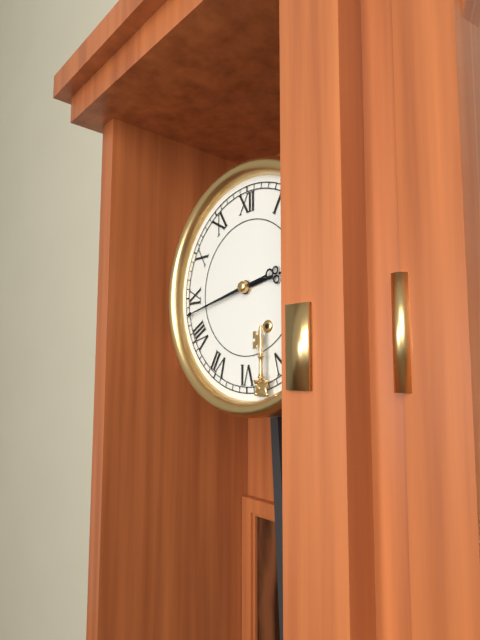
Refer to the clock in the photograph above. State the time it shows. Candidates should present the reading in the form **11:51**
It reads **2:43**
